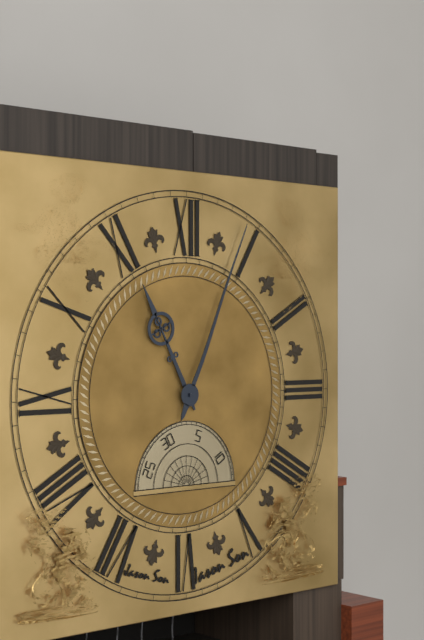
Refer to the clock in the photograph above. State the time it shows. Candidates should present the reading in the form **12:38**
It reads **11:04**
